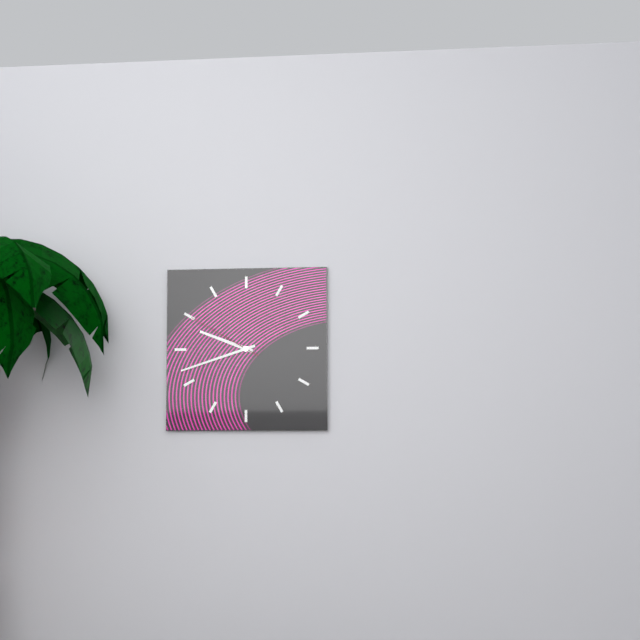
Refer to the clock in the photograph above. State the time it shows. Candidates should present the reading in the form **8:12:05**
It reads **9:42:50**
